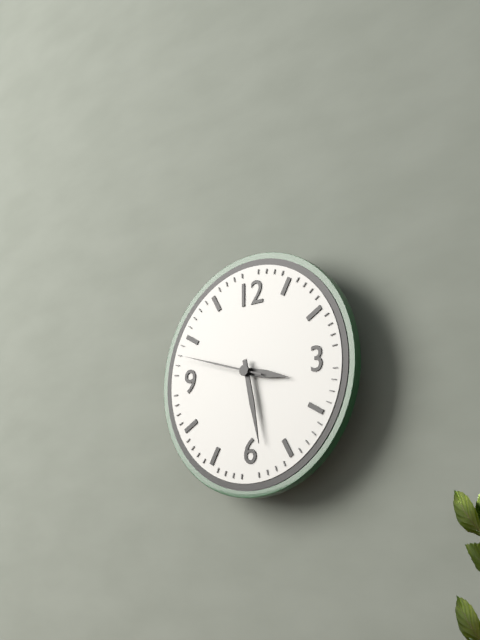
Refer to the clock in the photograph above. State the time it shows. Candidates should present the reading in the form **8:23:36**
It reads **3:28:48**
